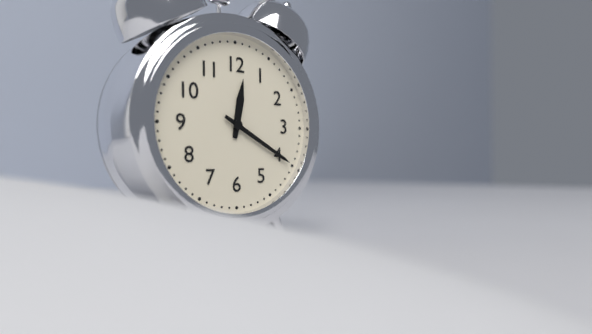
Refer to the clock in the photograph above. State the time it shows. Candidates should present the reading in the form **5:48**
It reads **12:20**
